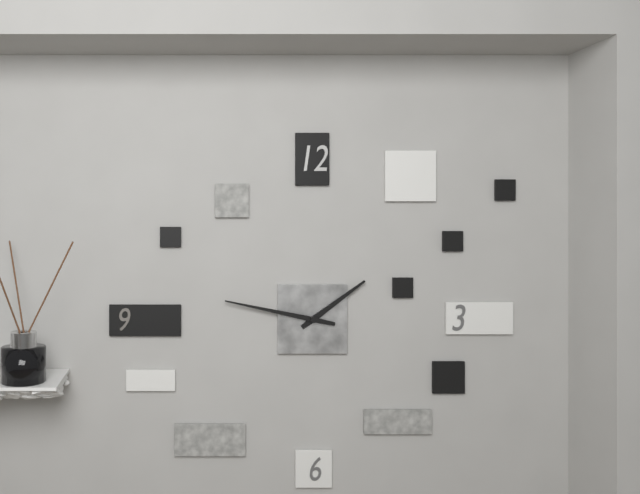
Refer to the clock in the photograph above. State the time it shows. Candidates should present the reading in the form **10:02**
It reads **1:47**
